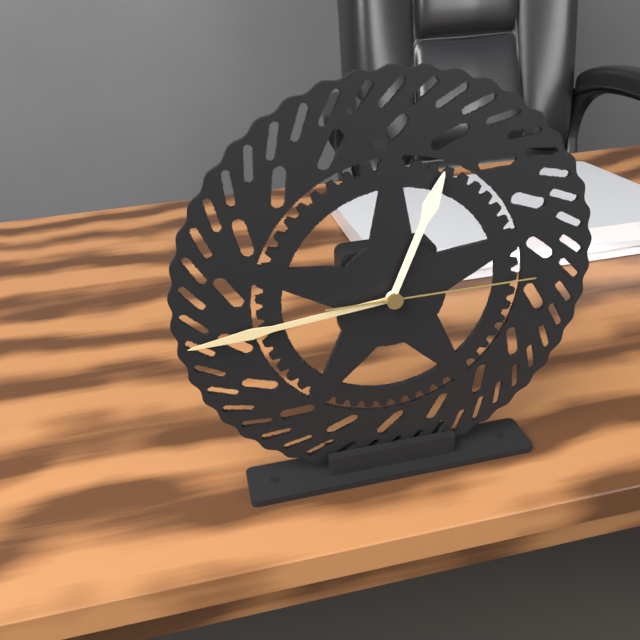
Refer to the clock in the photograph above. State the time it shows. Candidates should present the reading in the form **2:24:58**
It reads **12:44:15**
